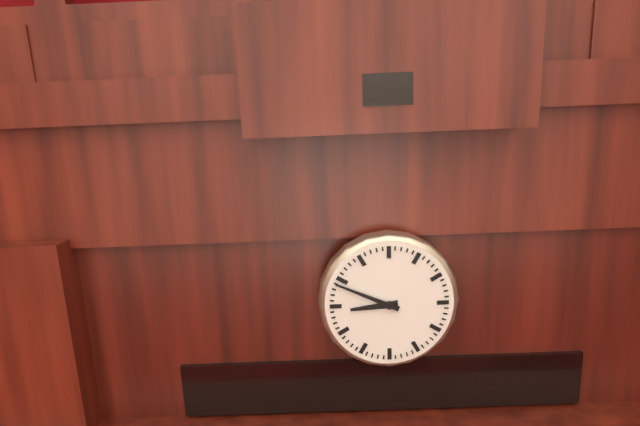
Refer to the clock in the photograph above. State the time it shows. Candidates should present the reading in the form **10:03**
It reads **8:49**
